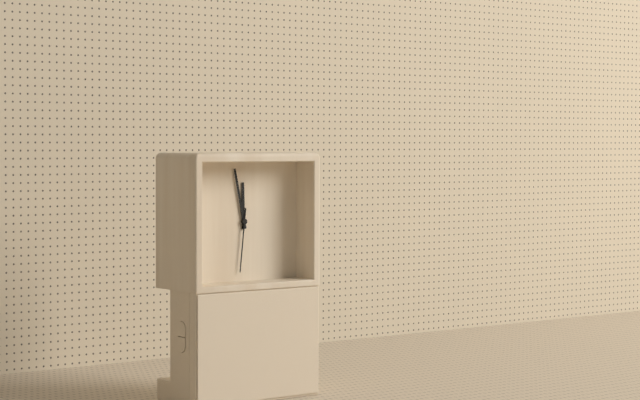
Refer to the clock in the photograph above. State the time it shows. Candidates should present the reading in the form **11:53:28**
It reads **11:58:31**
